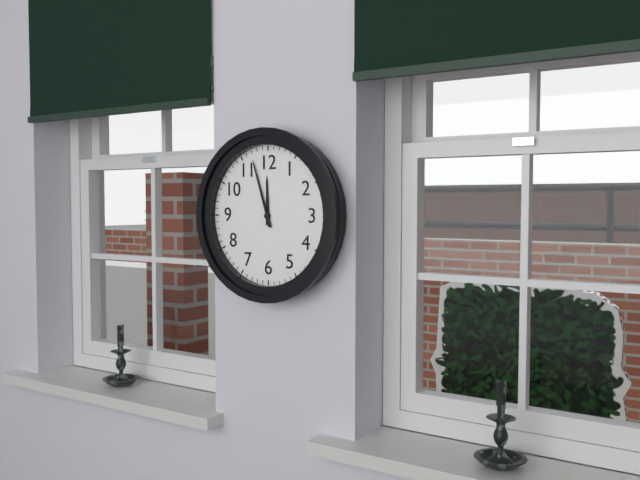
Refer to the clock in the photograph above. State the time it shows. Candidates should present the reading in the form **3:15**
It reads **11:57**
